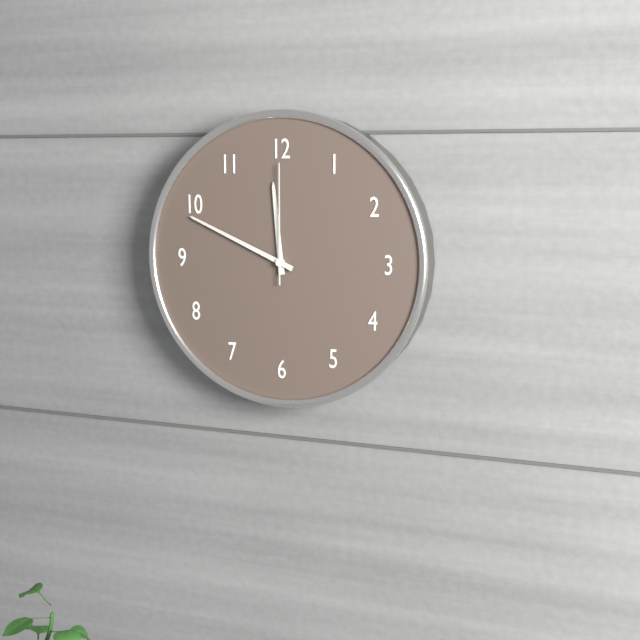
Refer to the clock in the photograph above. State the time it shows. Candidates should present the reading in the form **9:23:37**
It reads **11:49:00**
